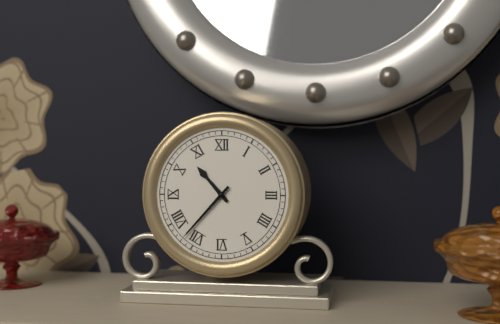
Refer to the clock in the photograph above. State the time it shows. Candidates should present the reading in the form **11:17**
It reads **10:37**
